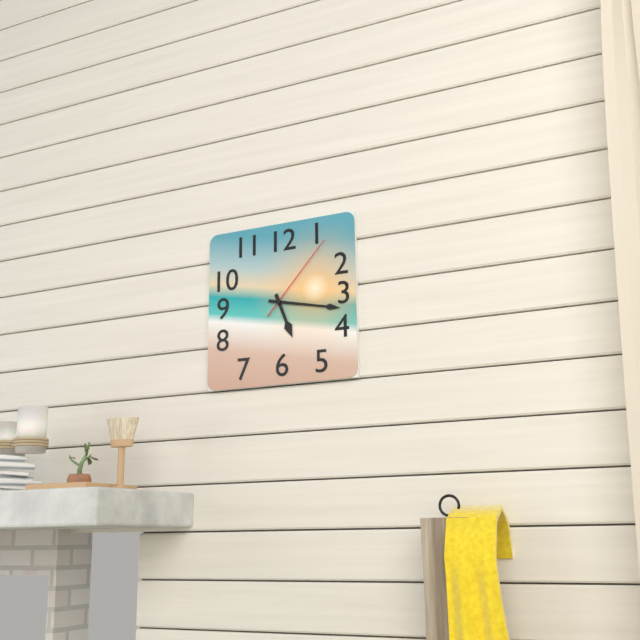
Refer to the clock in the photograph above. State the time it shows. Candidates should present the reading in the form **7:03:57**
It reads **5:17:07**
